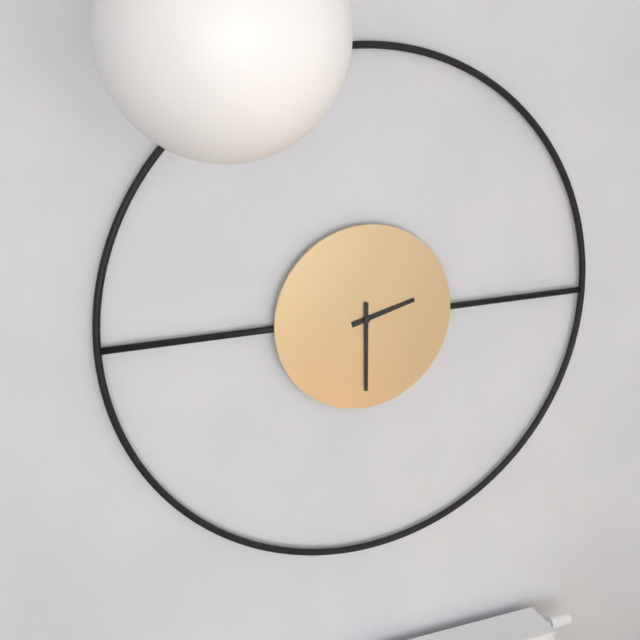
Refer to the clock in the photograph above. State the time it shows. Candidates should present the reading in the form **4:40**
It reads **2:30**
